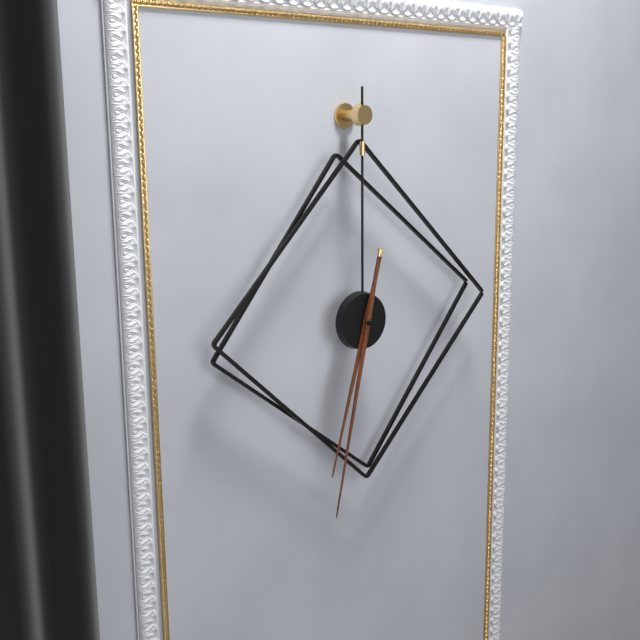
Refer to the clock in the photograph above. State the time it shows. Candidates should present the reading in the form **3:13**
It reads **6:32**
